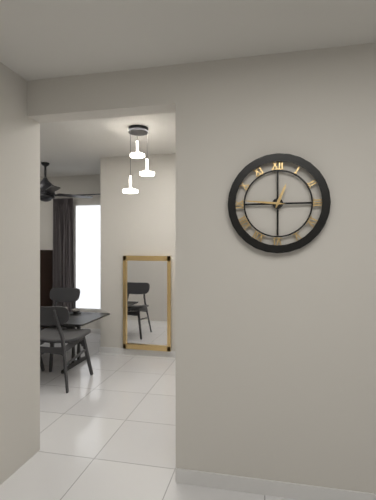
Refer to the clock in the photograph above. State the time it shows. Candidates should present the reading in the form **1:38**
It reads **12:46**
